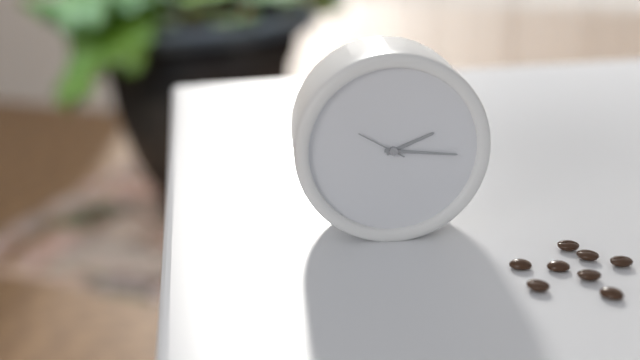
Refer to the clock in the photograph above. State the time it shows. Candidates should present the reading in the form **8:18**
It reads **2:16**
